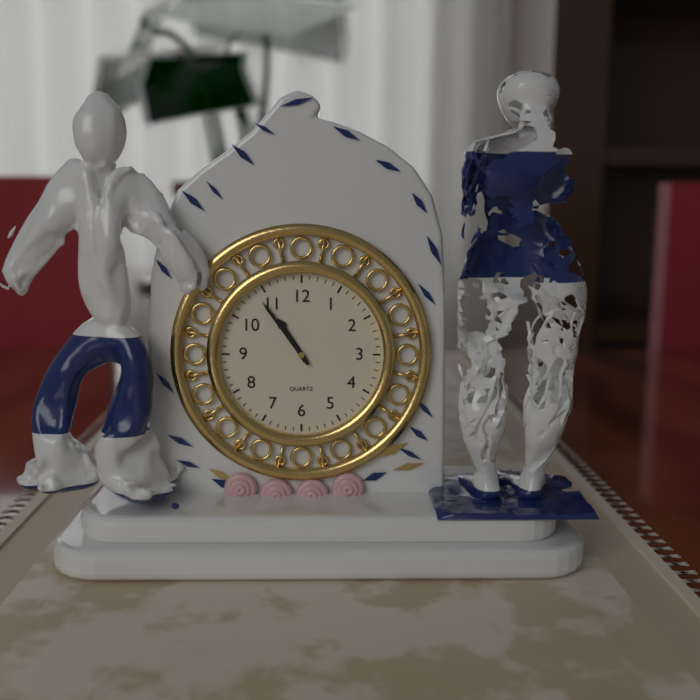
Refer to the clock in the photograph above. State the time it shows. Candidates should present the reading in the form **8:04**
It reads **10:54**
